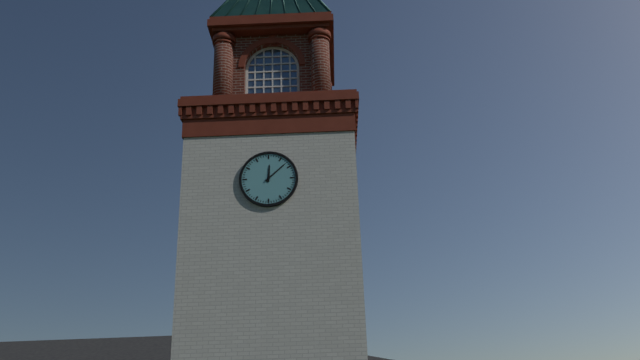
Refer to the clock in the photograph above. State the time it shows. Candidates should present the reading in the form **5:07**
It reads **12:08**
